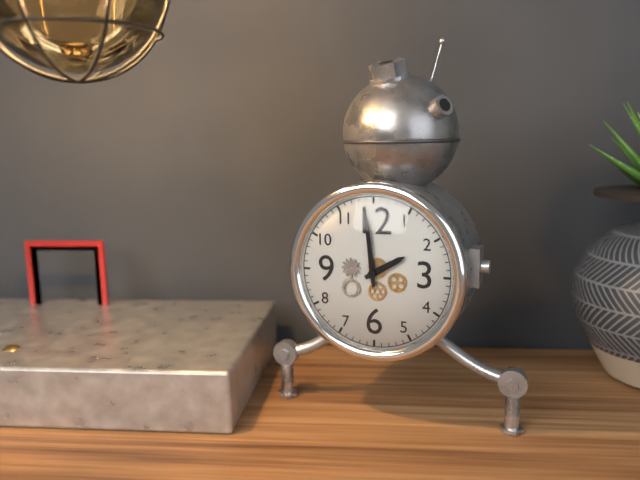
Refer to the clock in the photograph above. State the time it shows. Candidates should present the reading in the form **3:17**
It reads **1:59**
